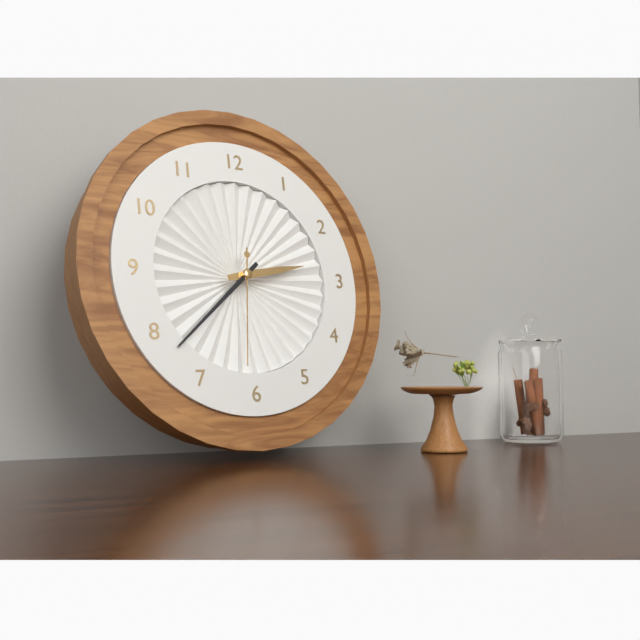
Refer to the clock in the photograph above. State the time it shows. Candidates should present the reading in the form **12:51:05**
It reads **2:38:31**
